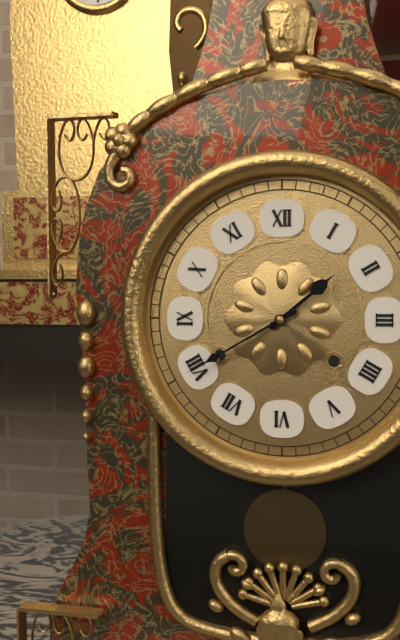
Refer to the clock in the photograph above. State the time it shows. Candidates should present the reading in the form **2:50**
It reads **1:40**
